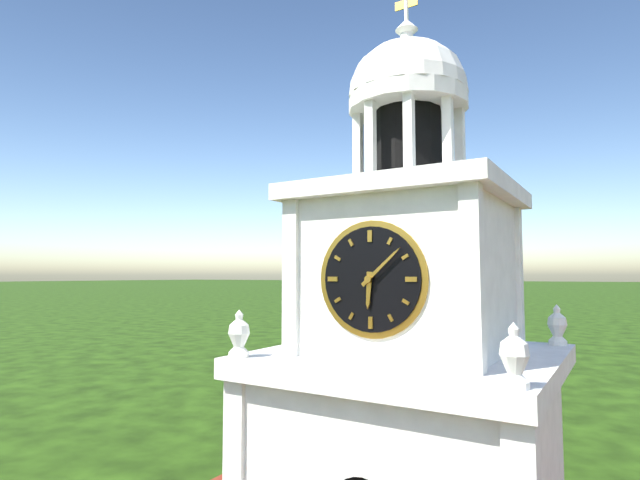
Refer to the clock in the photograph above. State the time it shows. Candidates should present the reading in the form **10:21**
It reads **6:08**
